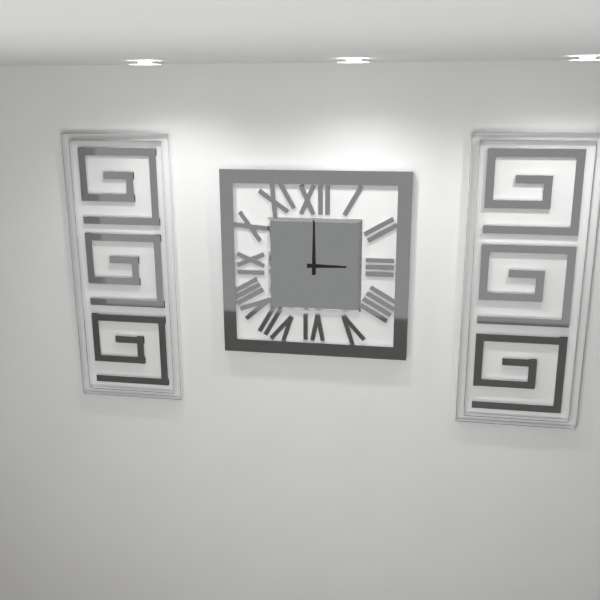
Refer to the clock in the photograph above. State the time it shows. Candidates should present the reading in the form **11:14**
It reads **3:00**
